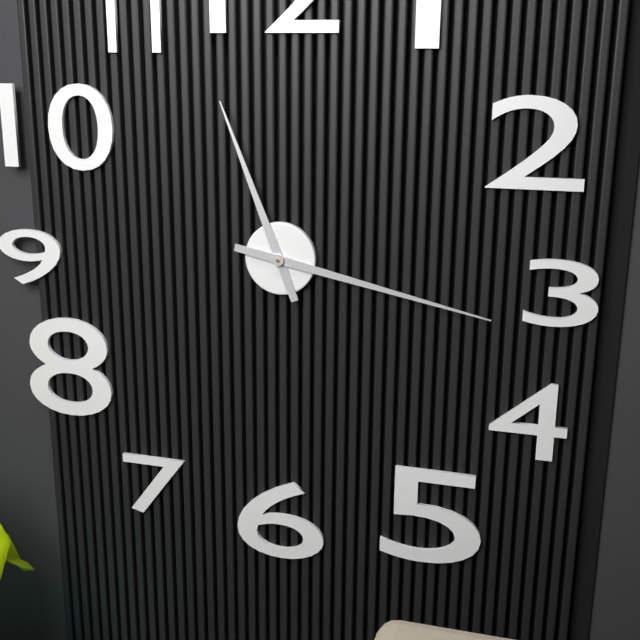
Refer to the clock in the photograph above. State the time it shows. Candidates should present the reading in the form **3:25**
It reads **11:17**
